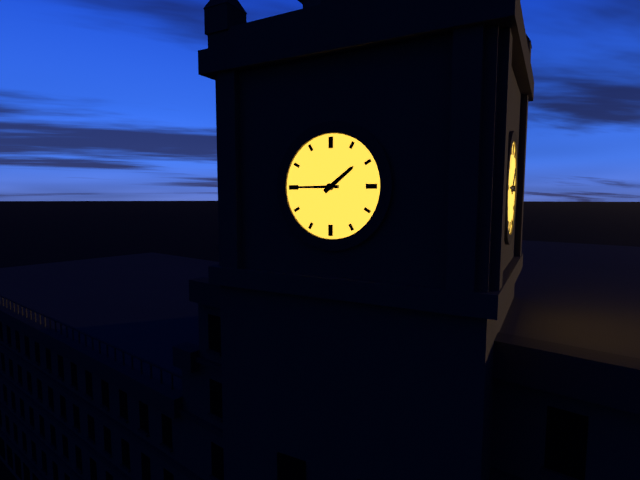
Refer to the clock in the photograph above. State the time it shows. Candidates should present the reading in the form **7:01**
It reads **1:45**
